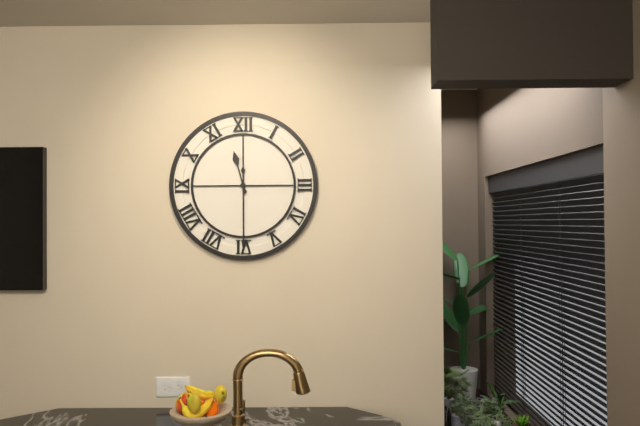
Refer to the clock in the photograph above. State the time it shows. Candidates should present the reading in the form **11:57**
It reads **11:30**
